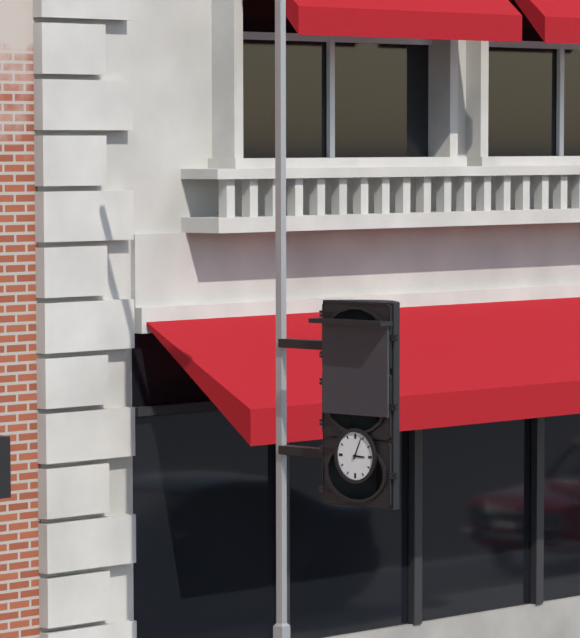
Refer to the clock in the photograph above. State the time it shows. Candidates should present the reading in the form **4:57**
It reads **3:04**
